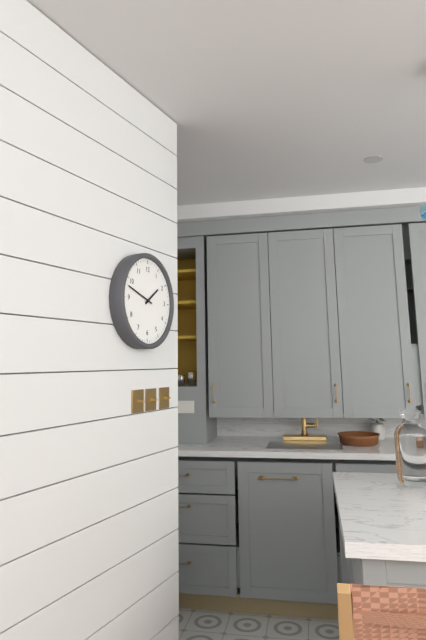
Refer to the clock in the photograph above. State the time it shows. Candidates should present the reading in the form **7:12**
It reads **1:48**
